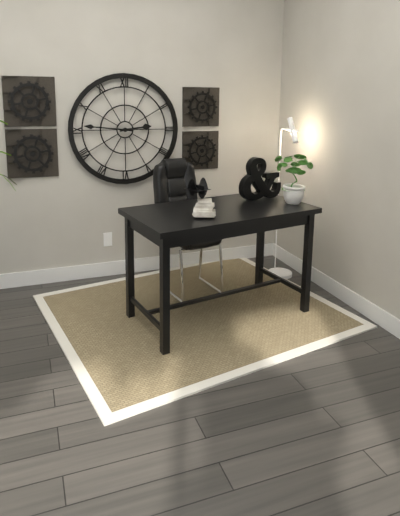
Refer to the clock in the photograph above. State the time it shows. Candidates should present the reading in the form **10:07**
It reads **2:46**
